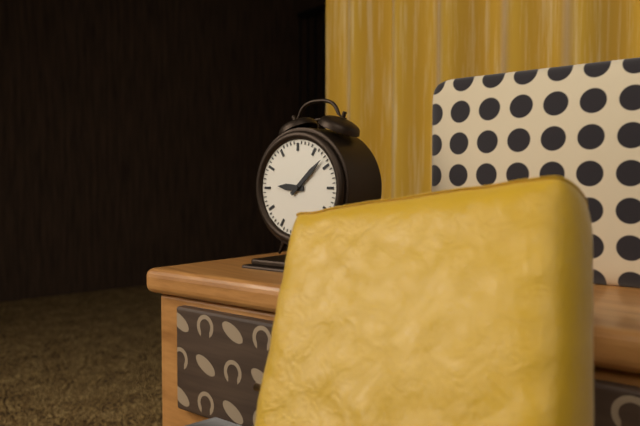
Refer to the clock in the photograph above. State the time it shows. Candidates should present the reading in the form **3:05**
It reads **9:08**
